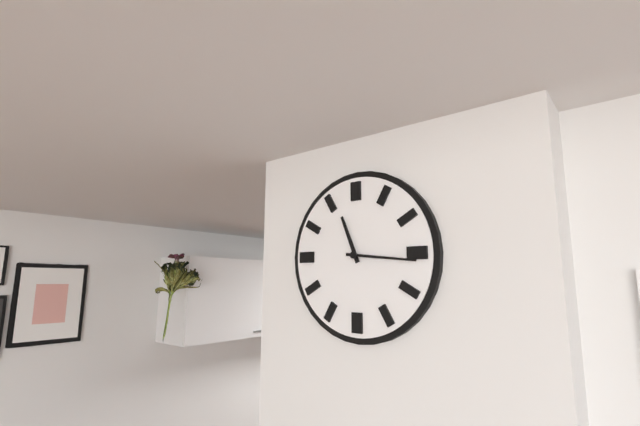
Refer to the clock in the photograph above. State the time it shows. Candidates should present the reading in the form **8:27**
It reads **11:16**
